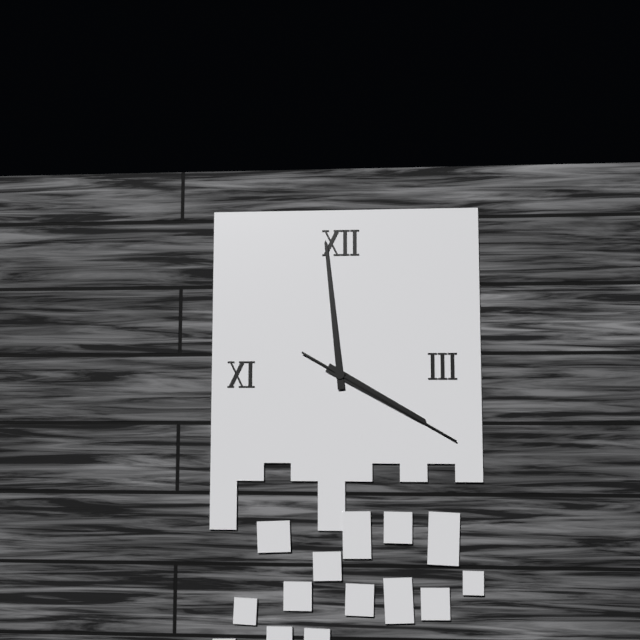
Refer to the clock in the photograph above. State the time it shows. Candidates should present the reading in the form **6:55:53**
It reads **3:59:20**
